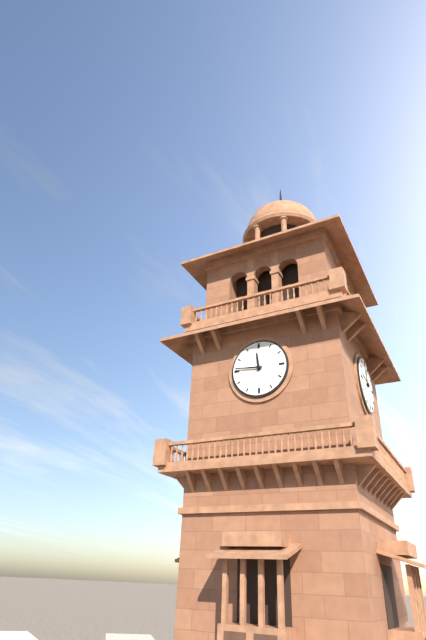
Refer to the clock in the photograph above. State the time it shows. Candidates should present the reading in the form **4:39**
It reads **11:46**
